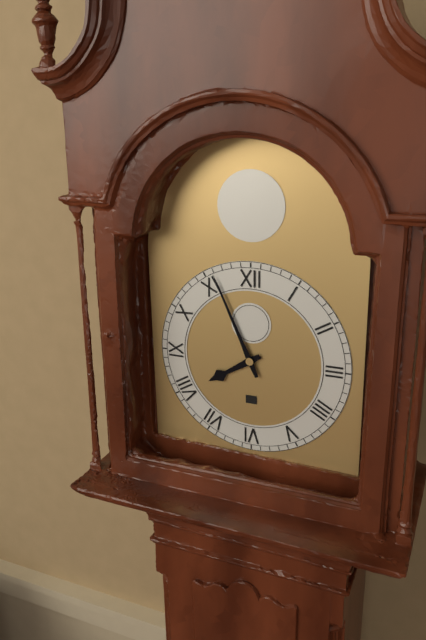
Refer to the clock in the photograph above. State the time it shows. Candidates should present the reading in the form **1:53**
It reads **7:56**
